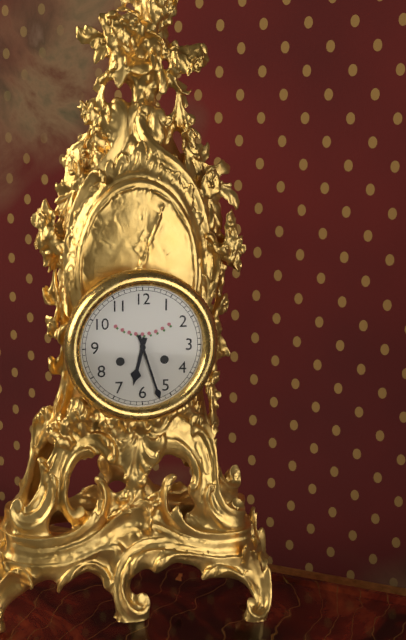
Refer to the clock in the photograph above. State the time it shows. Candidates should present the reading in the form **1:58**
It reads **6:27**
